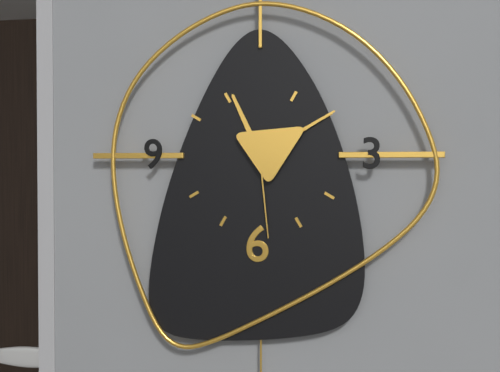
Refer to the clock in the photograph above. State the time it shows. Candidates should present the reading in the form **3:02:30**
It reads **11:10:29**
